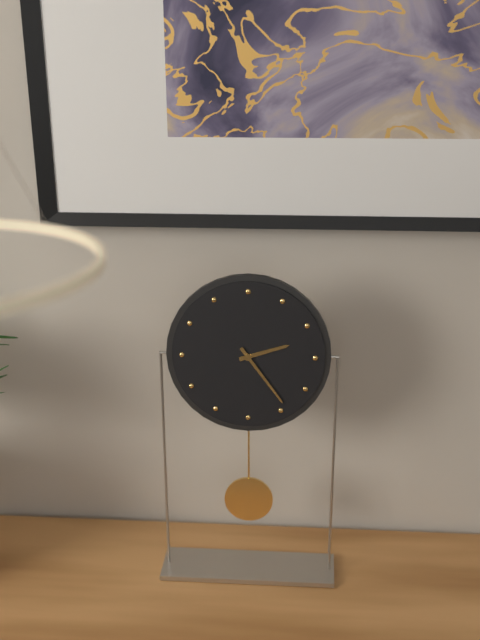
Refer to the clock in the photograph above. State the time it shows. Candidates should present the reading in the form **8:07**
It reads **2:24**
